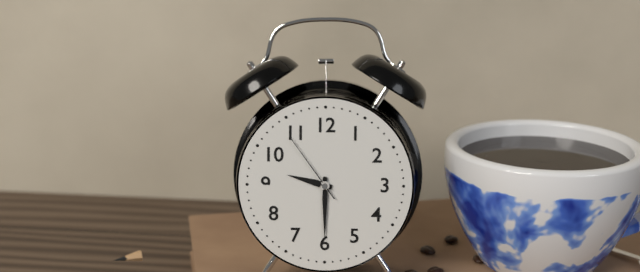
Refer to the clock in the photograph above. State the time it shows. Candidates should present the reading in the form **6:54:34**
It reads **9:30:54**
